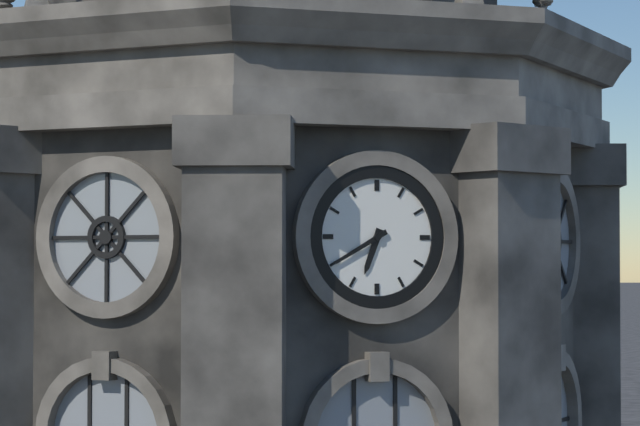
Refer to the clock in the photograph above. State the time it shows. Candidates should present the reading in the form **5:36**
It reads **6:40**
